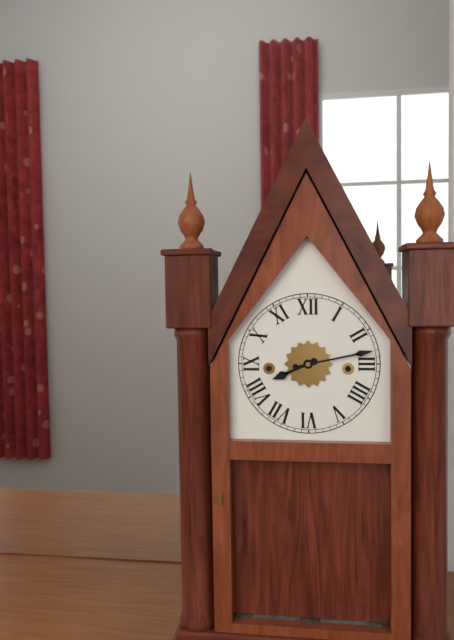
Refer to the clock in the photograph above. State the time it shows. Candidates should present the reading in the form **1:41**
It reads **8:13**
